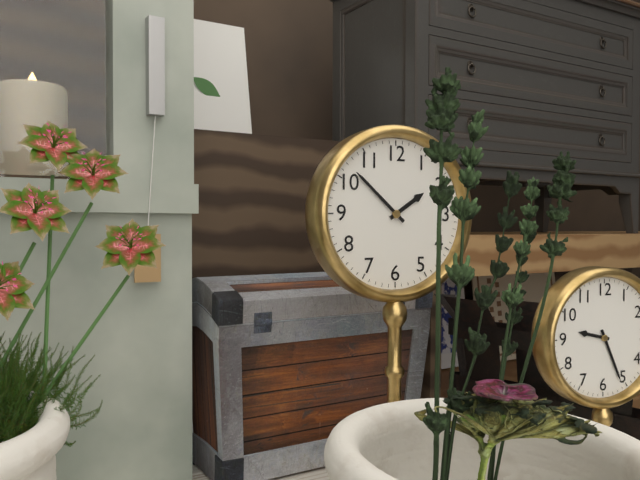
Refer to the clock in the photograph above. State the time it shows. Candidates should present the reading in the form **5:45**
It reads **1:52**
